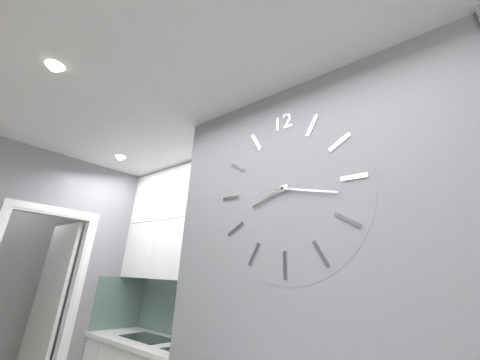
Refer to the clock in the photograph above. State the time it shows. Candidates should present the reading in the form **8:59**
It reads **8:17**
